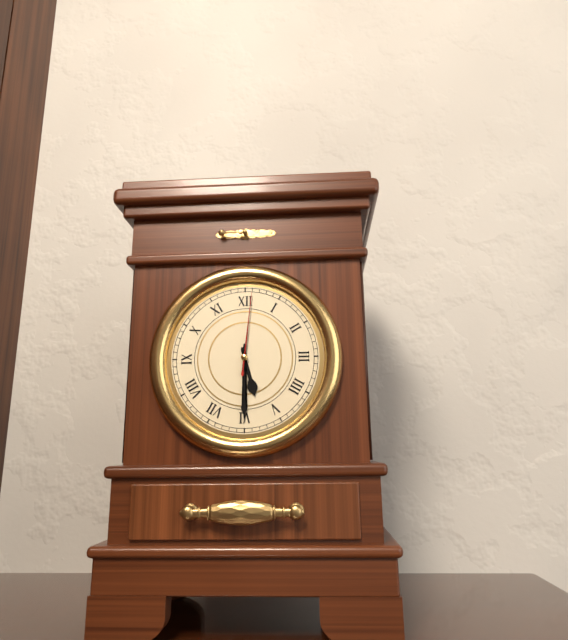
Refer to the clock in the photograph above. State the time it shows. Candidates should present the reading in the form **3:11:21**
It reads **5:30:01**
